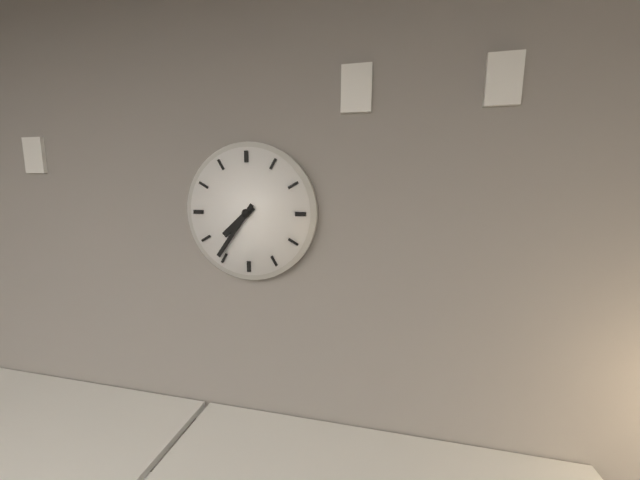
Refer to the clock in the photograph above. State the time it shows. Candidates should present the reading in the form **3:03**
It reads **7:36**
